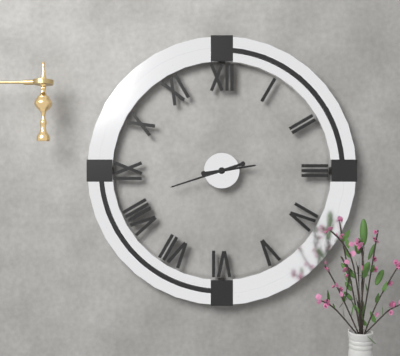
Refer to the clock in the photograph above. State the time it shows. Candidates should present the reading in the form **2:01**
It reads **2:42**
